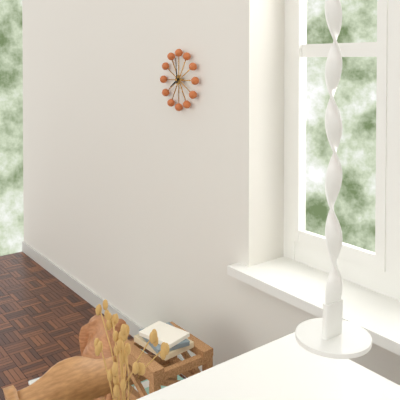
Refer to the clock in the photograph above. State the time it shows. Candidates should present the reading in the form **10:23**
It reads **7:59**
